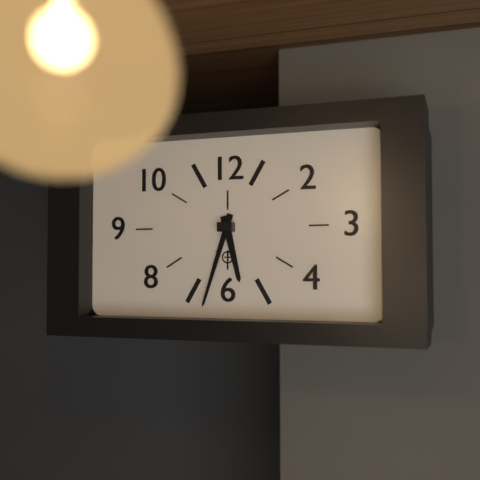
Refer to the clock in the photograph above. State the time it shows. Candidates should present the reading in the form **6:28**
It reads **5:33**
